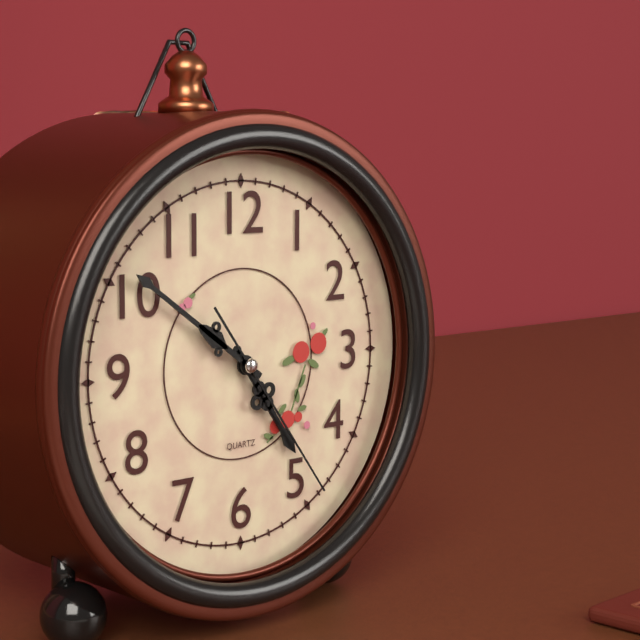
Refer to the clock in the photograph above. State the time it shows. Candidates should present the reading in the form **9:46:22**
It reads **4:51:24**
